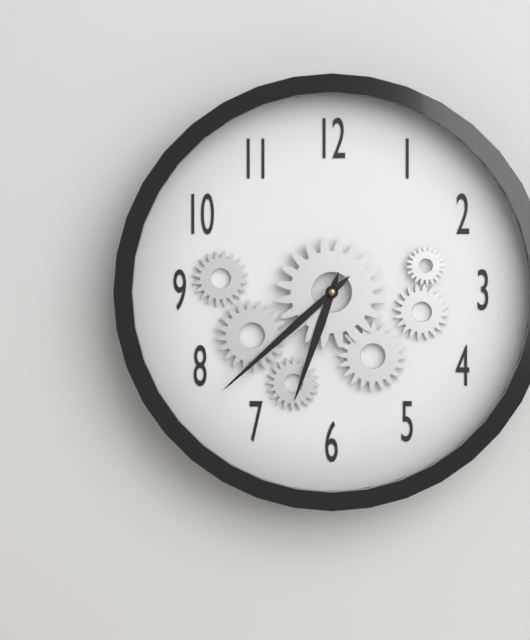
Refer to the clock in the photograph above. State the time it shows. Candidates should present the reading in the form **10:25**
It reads **6:38**
